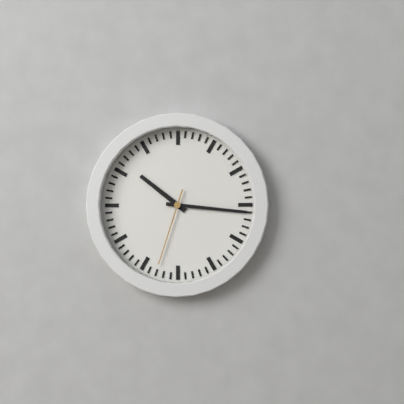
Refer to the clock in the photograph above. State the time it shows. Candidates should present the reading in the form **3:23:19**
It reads **10:16:33**
